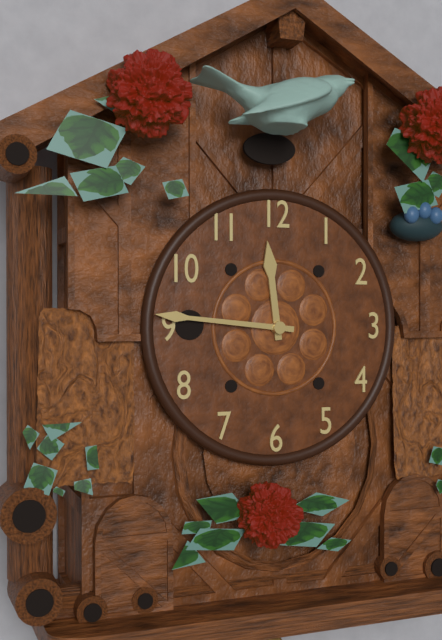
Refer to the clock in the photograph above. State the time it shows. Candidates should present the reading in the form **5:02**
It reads **11:46**
